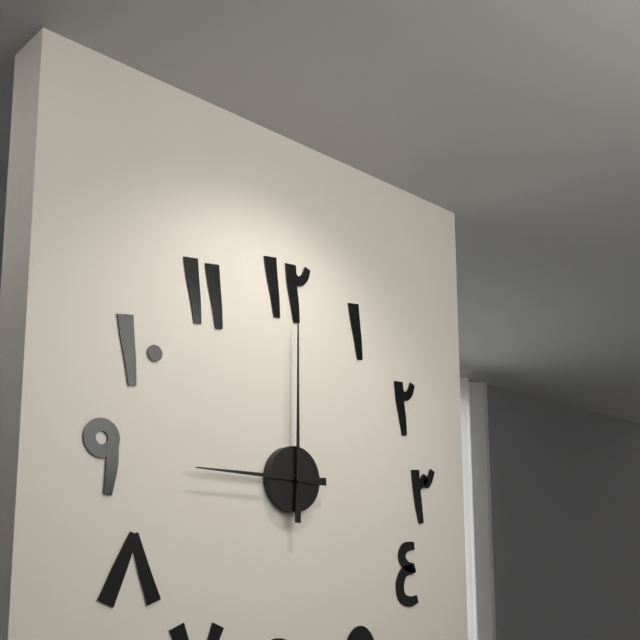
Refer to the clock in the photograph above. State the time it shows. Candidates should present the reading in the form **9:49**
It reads **9:00**
